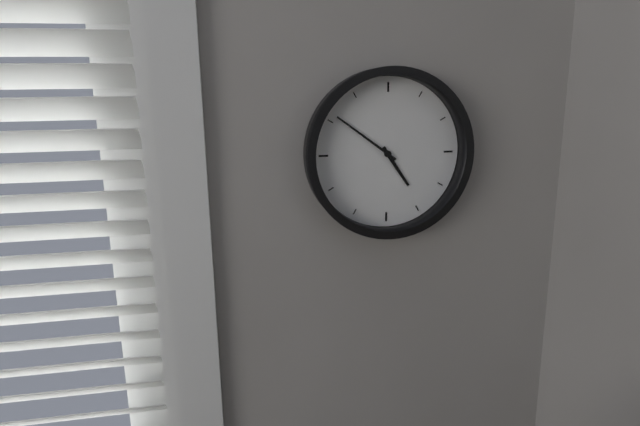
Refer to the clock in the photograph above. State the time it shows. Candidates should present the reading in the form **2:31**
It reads **4:51**
